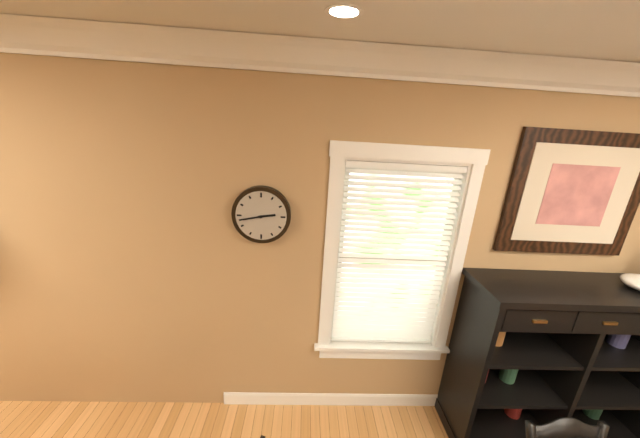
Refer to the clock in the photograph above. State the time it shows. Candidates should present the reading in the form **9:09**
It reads **2:43**
